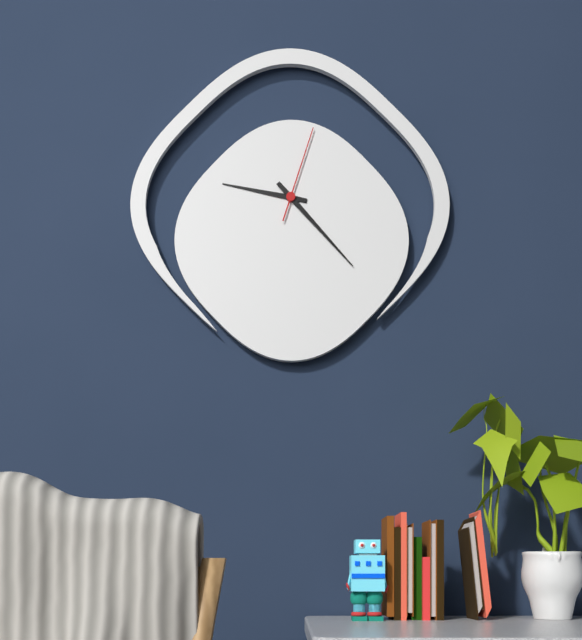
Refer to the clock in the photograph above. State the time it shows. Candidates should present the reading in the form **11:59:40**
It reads **9:23:03**
